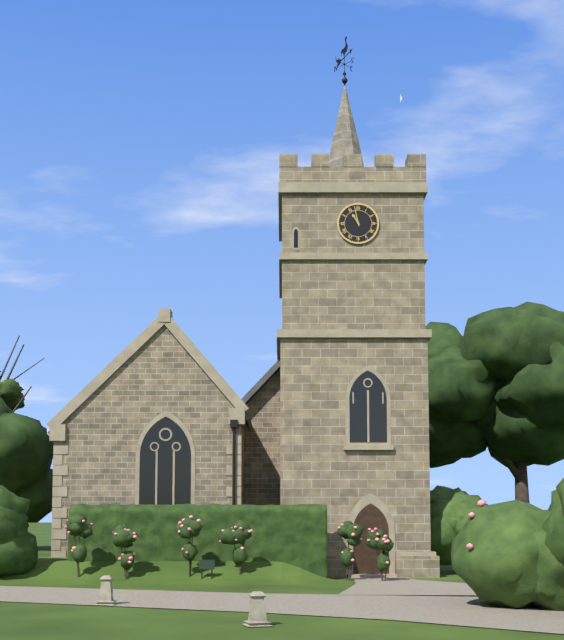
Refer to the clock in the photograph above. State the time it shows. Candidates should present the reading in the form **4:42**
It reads **10:58**
